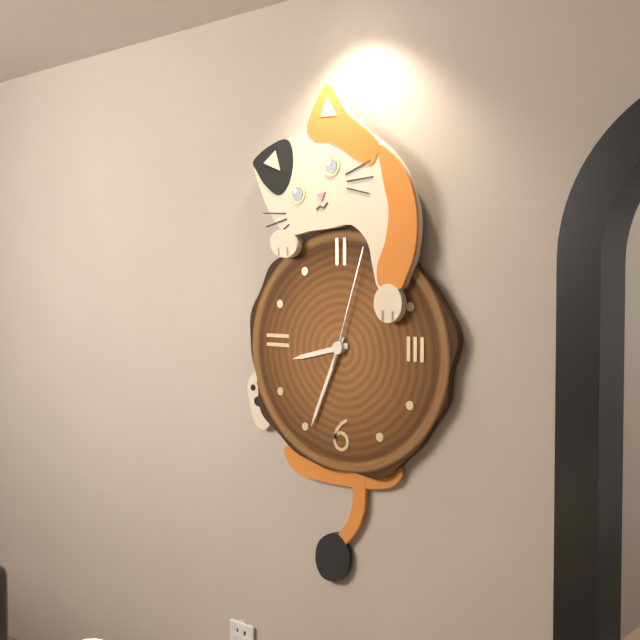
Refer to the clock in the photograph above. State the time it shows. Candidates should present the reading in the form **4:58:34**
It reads **8:34:03**
